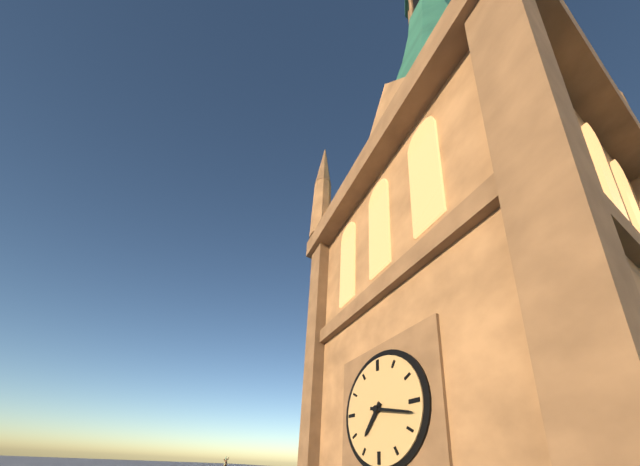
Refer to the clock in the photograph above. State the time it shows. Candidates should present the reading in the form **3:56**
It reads **7:17**
